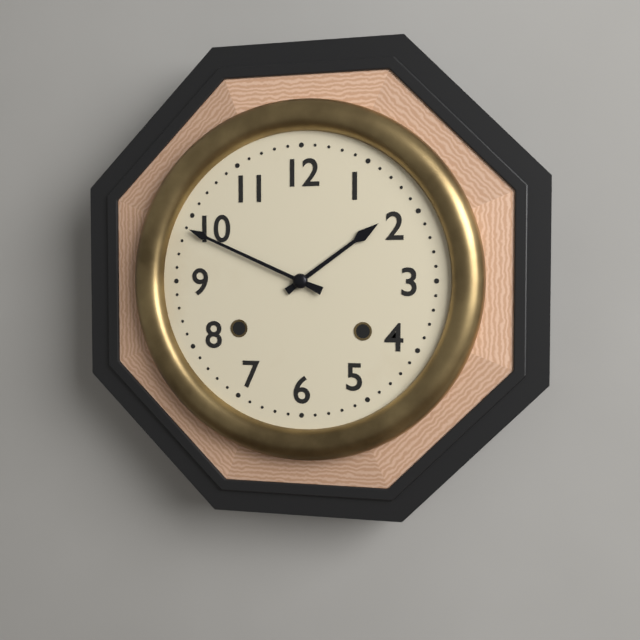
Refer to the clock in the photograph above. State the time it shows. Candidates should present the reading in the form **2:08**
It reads **1:49**
